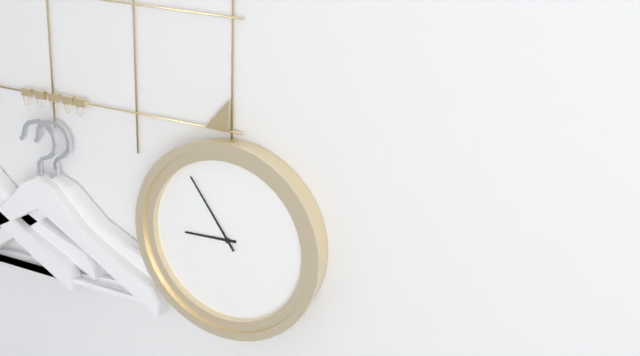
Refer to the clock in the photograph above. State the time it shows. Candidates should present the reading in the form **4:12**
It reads **8:54**
